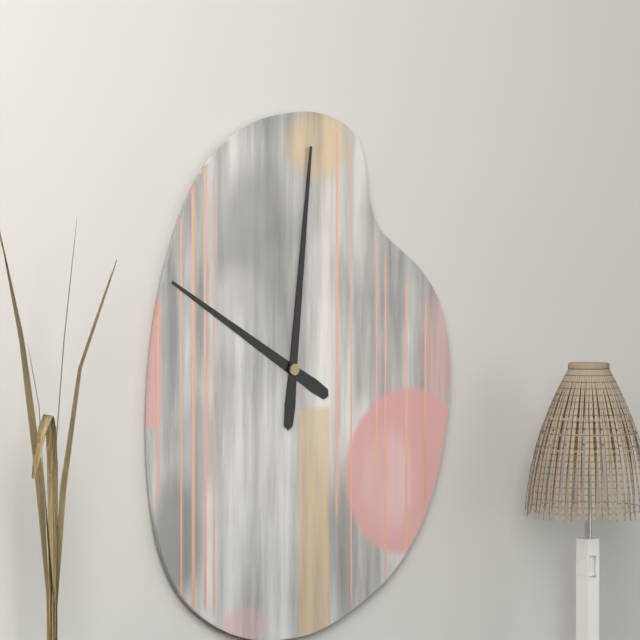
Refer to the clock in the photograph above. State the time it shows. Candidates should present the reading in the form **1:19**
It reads **10:01**
